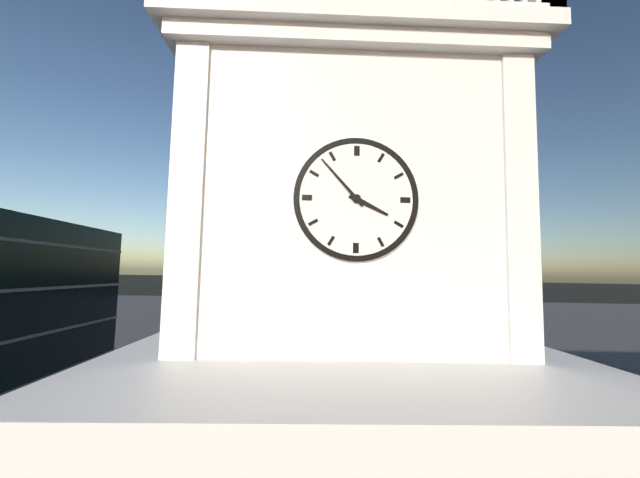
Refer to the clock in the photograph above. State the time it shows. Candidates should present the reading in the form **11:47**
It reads **3:53**
